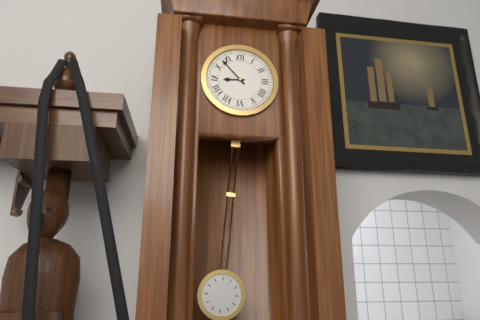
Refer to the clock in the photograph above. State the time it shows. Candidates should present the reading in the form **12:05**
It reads **8:53**
